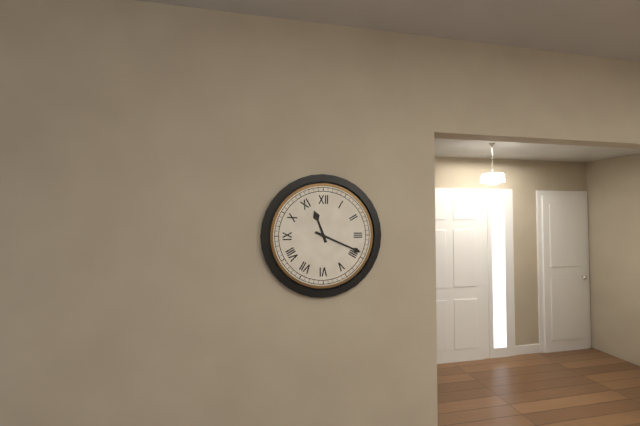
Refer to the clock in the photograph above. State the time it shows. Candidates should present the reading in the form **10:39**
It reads **11:19**
